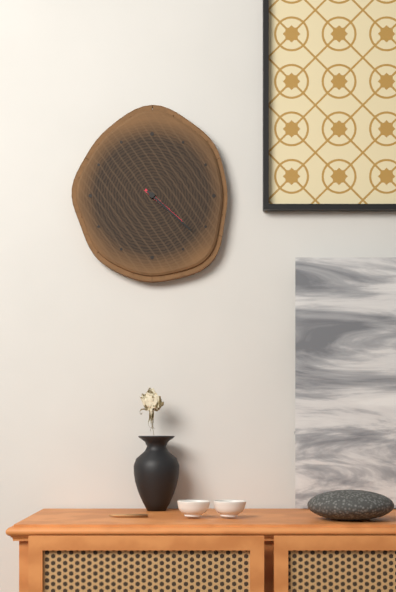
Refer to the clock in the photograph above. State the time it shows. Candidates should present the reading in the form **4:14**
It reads **4:22**
